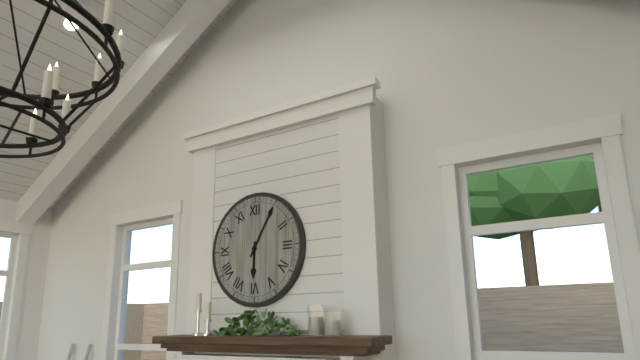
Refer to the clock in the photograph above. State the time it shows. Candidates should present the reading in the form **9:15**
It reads **6:05**
